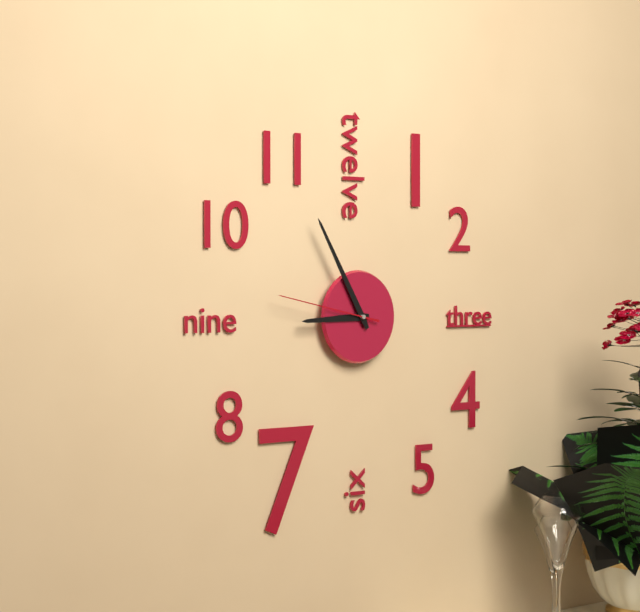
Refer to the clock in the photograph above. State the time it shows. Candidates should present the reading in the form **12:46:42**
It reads **8:55:47**
